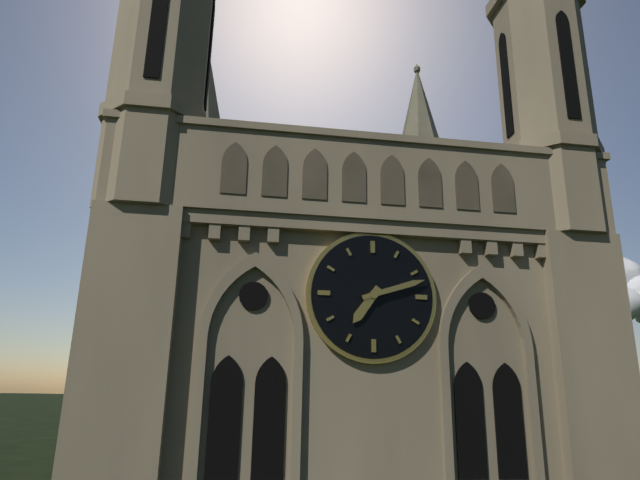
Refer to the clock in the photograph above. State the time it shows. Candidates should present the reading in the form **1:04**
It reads **7:12**
